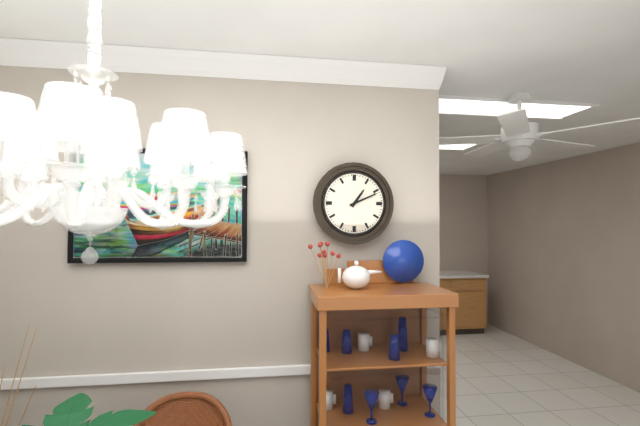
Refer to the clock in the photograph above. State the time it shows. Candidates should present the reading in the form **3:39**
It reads **1:11**
